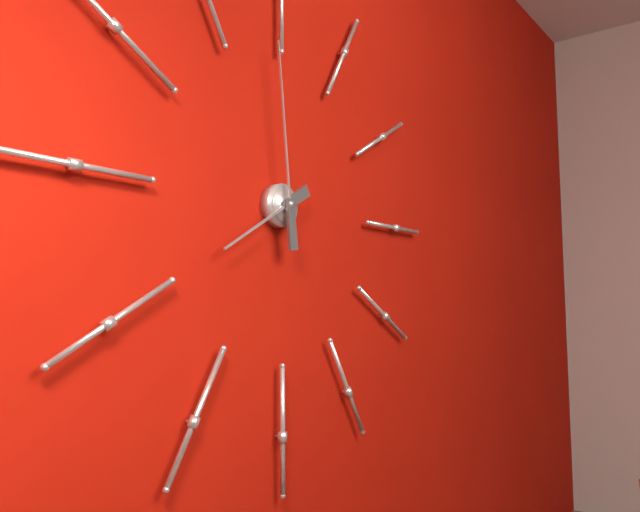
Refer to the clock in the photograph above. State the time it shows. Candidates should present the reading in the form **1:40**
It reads **7:59**
